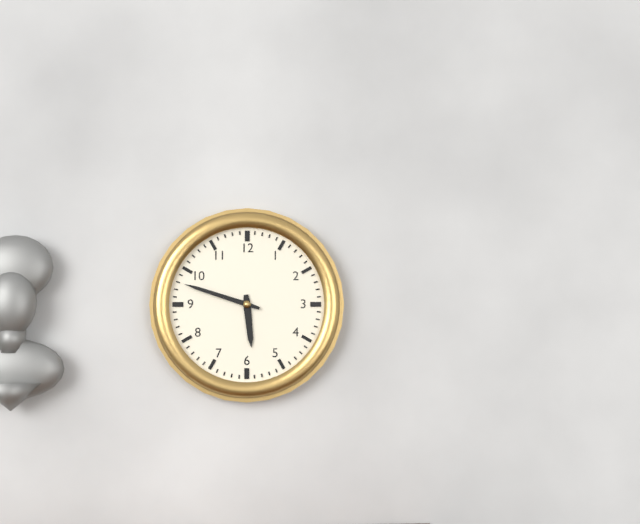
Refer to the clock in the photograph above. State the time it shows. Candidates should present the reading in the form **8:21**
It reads **5:48**
